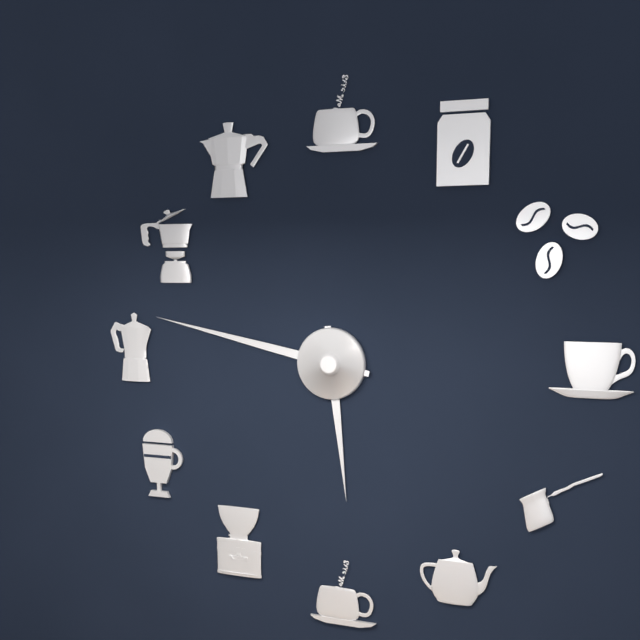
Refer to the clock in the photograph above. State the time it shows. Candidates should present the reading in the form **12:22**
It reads **5:47**
